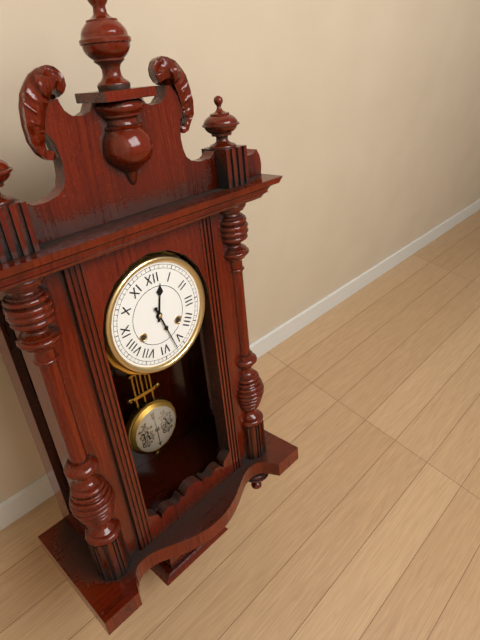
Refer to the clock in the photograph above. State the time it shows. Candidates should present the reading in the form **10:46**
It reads **12:27**
